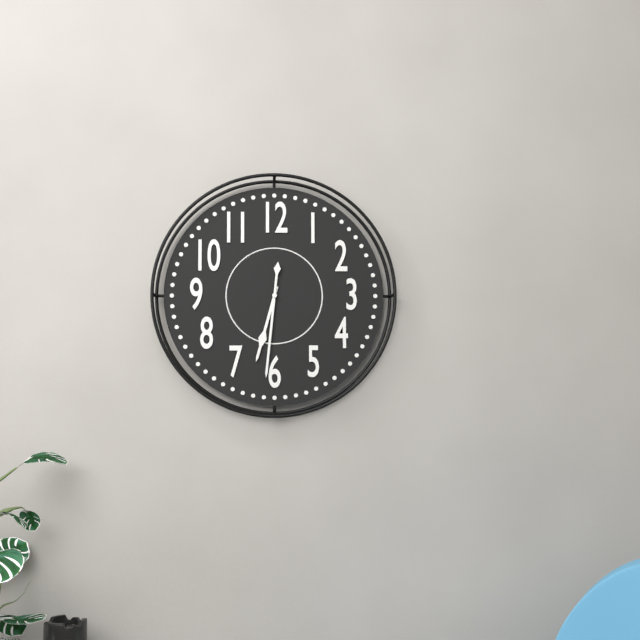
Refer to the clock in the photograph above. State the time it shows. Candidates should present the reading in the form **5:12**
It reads **6:31**
